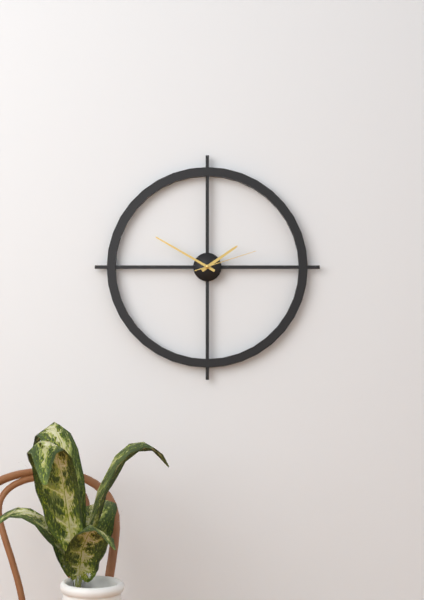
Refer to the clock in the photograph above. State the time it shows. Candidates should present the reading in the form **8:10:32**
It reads **1:50:12**
